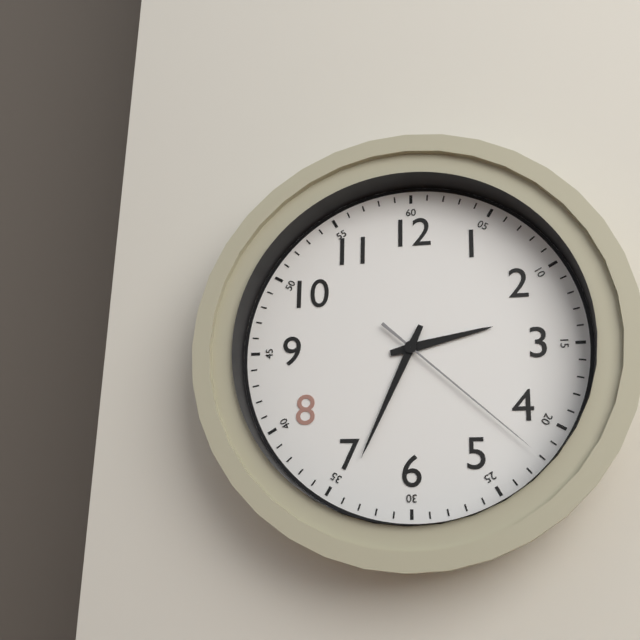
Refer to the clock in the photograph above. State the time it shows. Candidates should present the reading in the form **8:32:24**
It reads **2:34:22**
